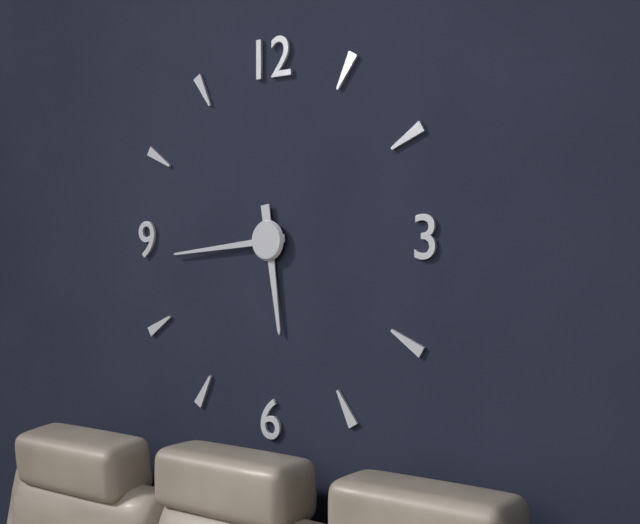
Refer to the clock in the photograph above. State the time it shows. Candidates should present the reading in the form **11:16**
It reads **5:44**
